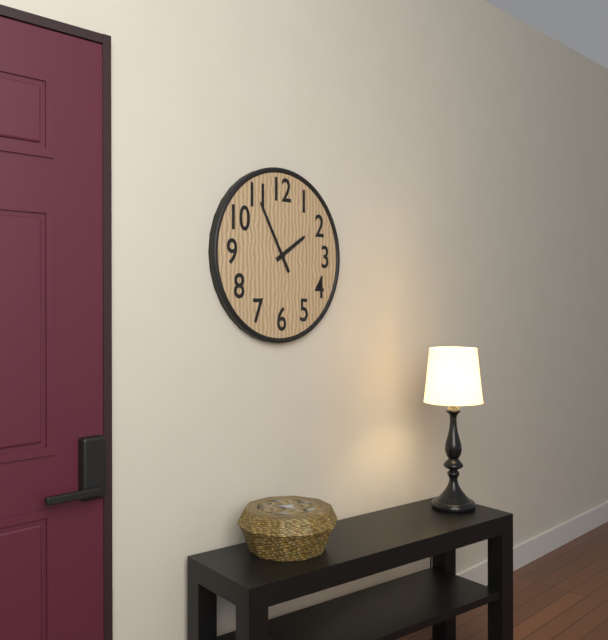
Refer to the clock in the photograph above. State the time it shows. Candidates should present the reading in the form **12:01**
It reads **1:55**
